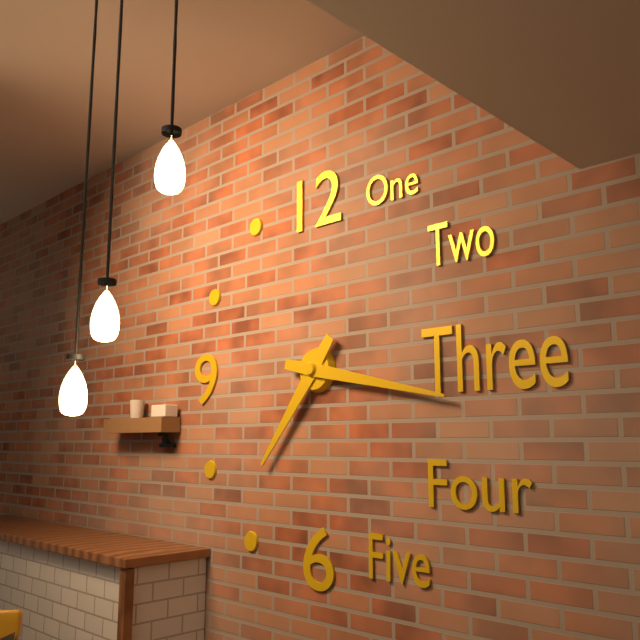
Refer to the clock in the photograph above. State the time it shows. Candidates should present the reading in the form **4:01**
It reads **7:17**
